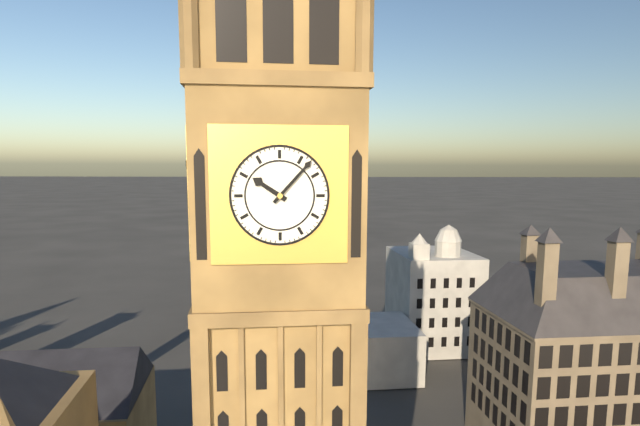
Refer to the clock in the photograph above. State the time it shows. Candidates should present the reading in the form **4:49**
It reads **10:07**
